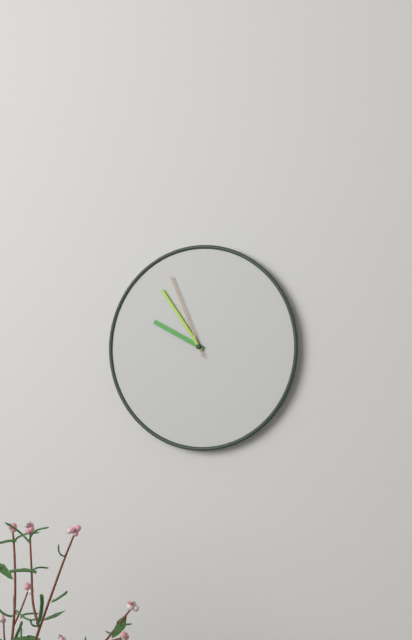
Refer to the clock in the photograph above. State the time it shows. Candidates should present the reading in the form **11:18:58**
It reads **9:54:56**
